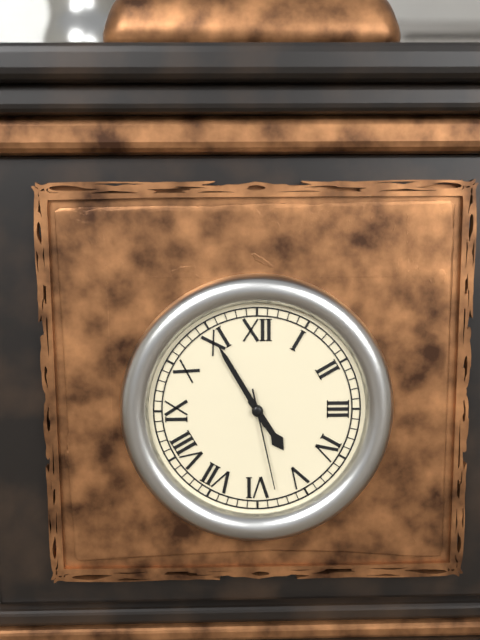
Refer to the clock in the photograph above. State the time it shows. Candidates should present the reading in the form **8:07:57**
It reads **4:55:28**
